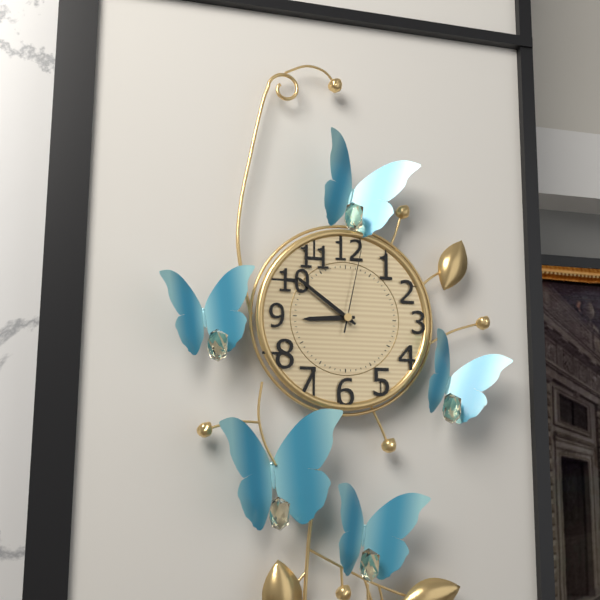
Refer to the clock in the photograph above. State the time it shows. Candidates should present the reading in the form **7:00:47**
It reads **8:51:02**
